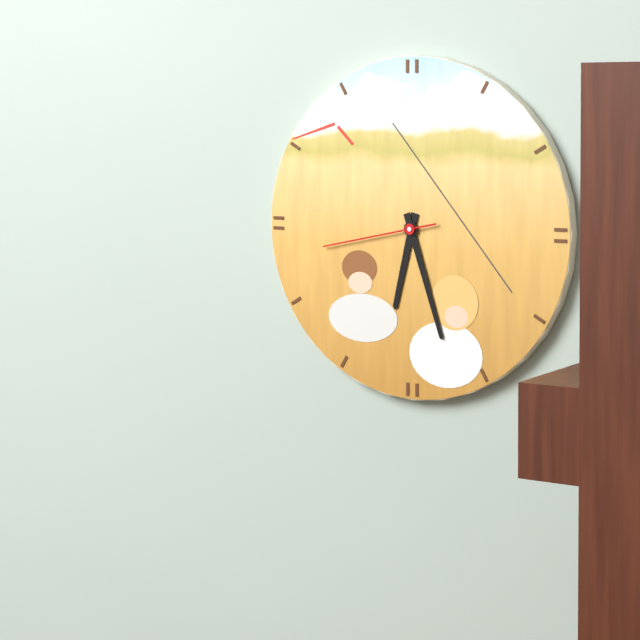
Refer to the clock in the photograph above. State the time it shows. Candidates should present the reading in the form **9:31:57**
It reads **6:27:43**
